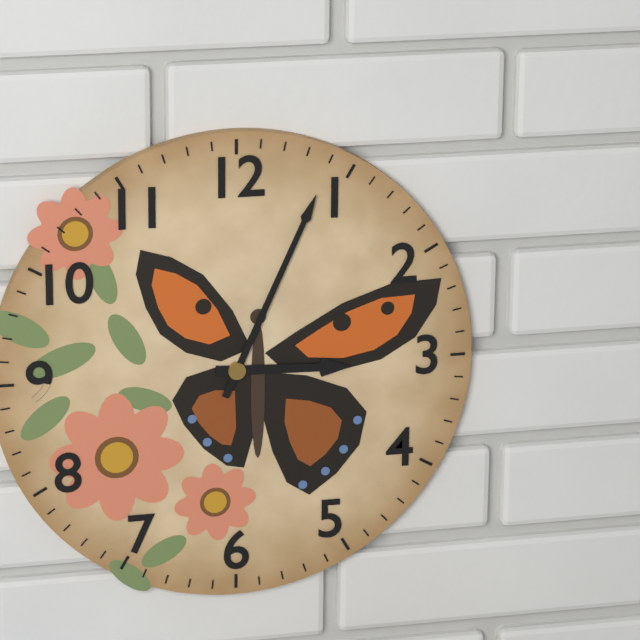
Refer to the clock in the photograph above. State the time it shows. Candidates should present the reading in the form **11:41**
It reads **3:04**
